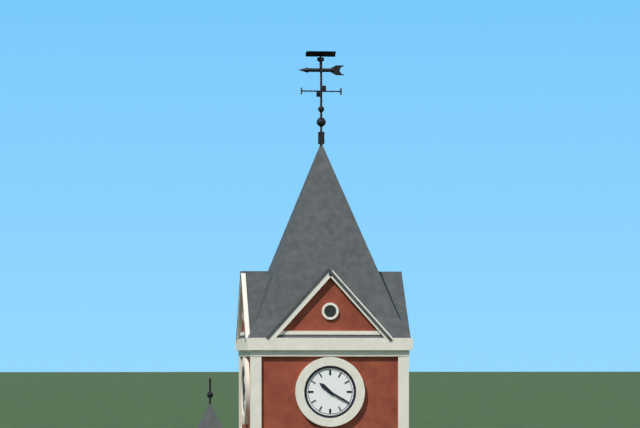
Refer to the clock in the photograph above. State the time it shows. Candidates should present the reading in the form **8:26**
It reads **10:20**
